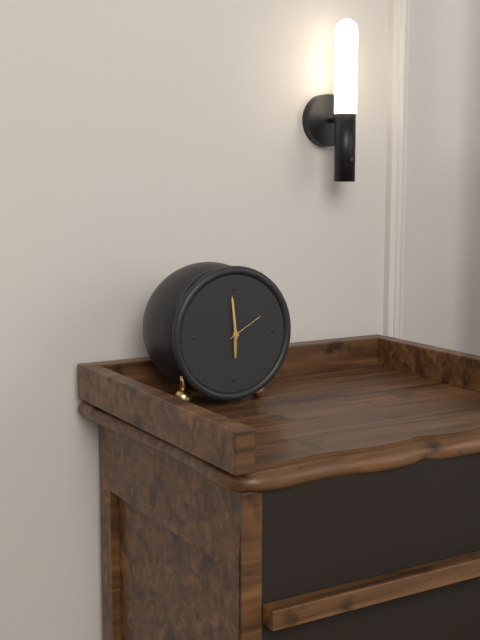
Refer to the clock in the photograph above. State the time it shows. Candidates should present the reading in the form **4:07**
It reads **5:59**
